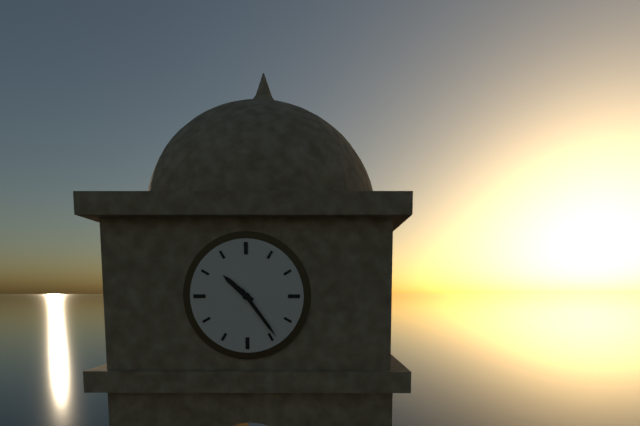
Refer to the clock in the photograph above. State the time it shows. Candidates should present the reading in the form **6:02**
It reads **10:24**
